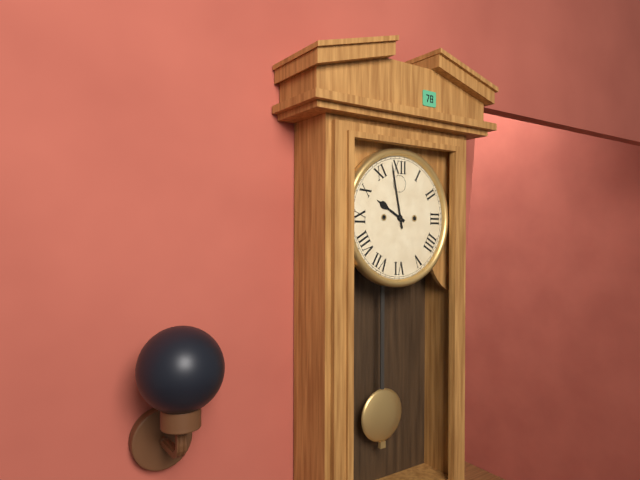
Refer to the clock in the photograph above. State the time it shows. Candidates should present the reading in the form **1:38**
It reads **9:58**
